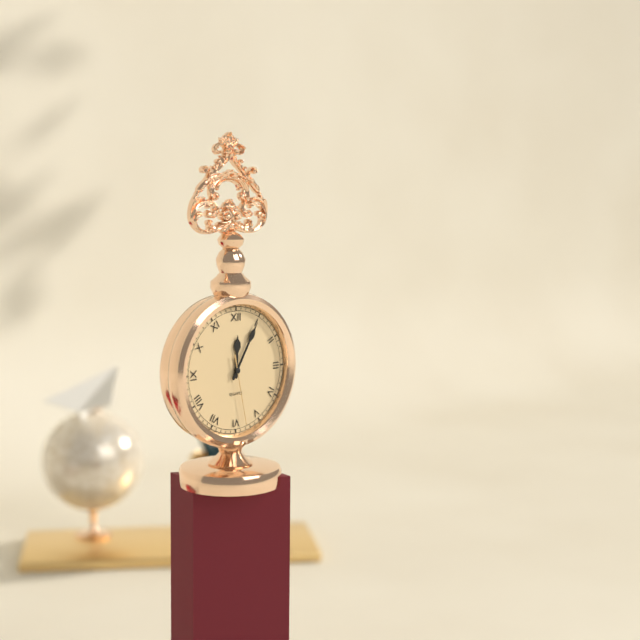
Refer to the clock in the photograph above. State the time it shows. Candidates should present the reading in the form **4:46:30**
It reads **12:05:28**
